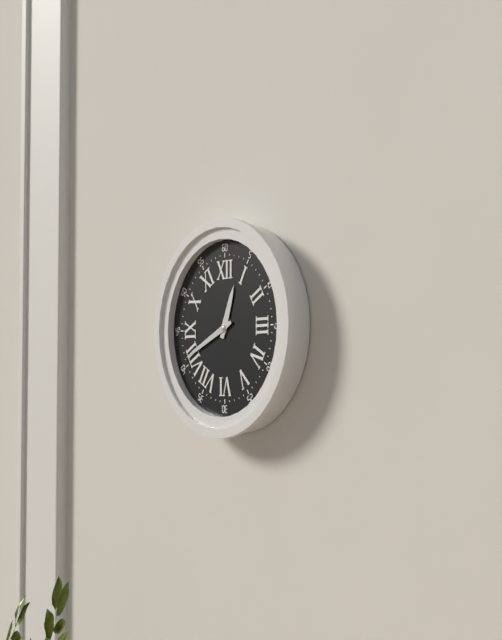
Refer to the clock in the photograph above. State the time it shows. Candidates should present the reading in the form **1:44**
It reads **12:41**
